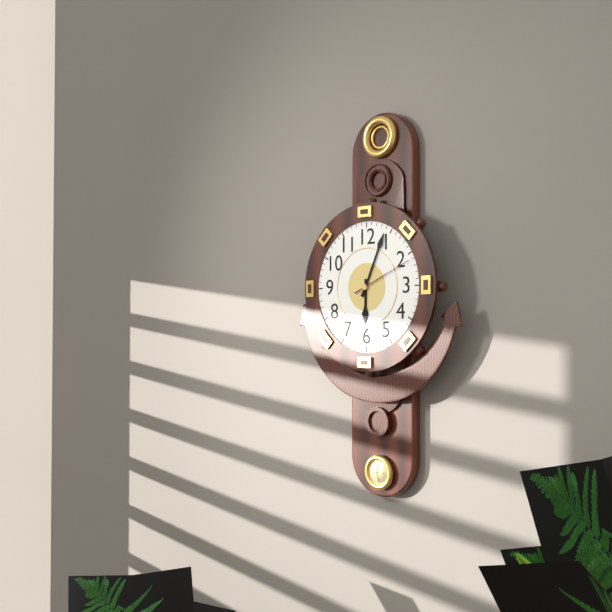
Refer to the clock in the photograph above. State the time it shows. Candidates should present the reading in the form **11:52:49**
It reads **6:04:11**
